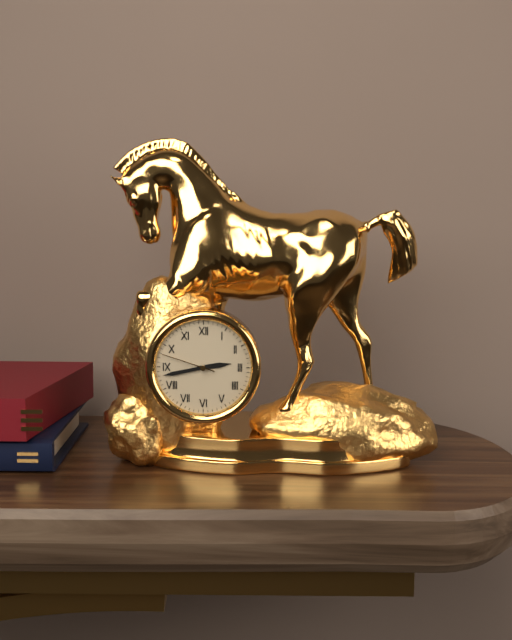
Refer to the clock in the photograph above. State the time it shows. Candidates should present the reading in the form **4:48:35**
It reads **2:43:48**
